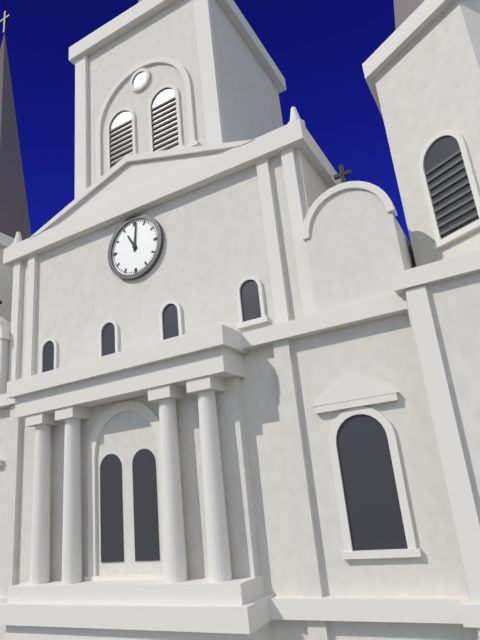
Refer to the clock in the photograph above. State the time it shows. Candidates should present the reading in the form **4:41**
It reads **11:01**
